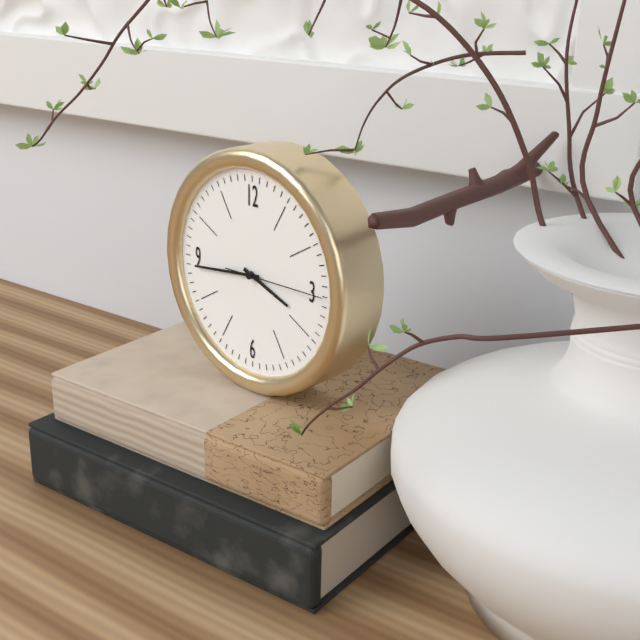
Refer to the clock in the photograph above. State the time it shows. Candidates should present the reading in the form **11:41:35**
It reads **3:44:15**
